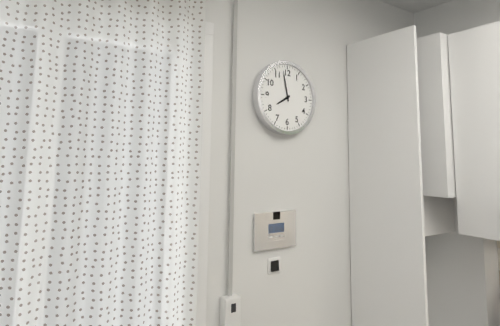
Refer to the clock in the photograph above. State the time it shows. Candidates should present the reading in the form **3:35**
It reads **7:58**
